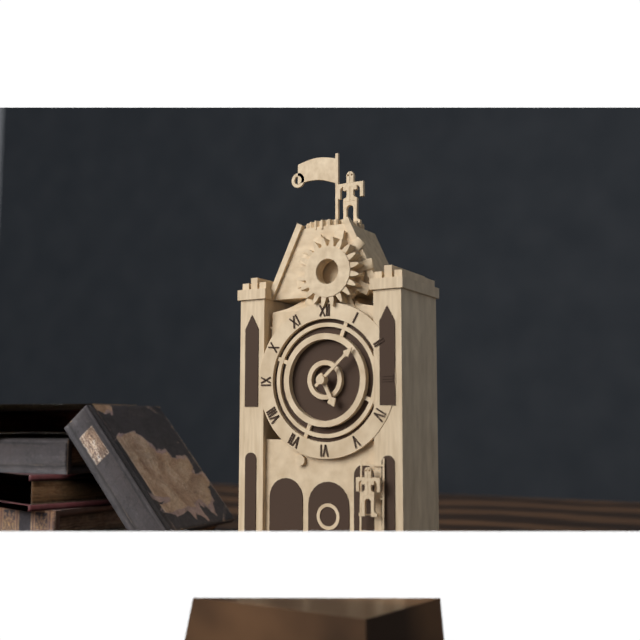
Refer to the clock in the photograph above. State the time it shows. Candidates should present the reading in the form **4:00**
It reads **5:08**
